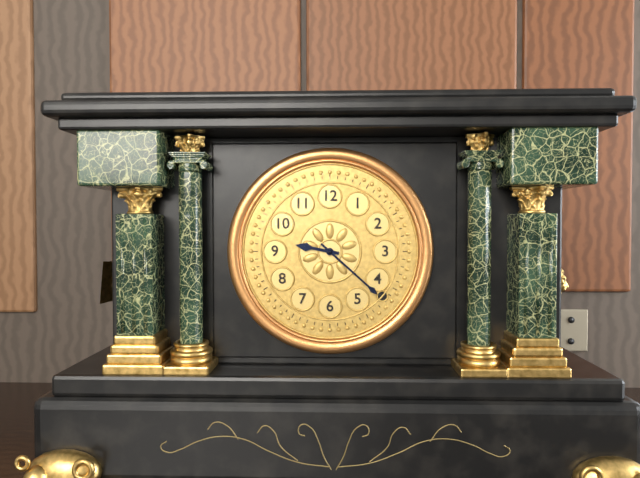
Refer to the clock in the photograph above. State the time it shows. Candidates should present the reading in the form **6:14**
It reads **9:22**
